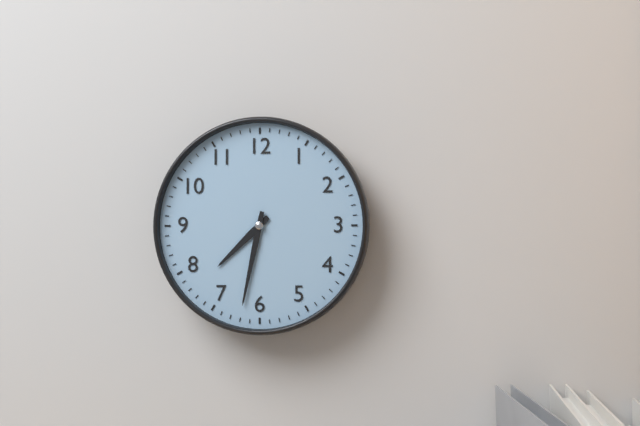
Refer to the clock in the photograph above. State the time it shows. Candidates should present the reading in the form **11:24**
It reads **7:32**
